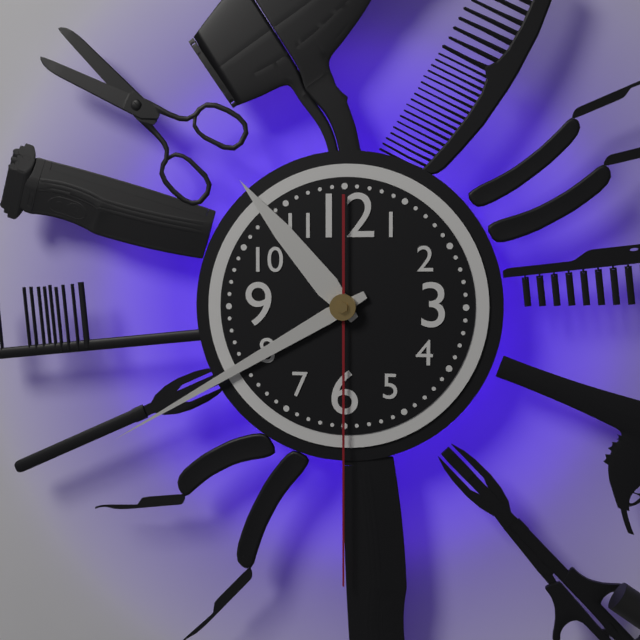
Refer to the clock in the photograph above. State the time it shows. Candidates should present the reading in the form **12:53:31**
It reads **10:40:30**
